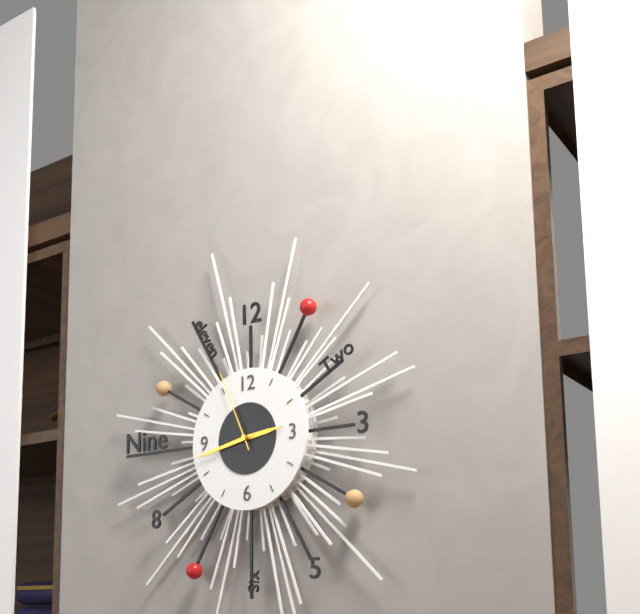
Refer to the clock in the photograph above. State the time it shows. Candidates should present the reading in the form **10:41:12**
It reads **2:43:56**
